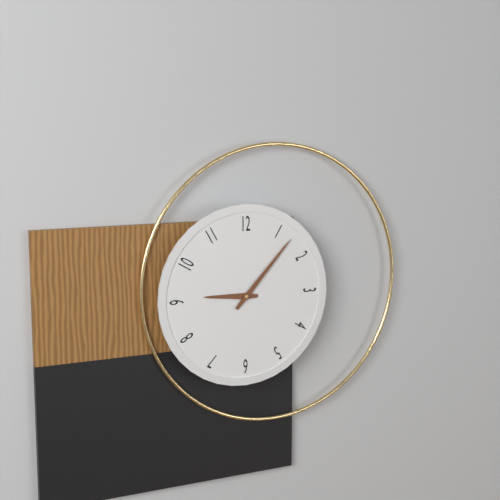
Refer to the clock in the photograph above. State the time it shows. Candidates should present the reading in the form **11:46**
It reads **9:07**
